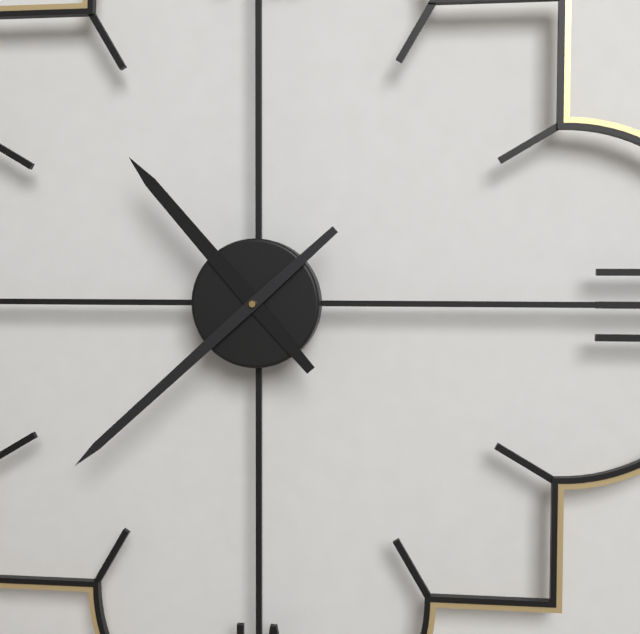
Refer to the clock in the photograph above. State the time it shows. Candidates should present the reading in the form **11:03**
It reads **10:38**
